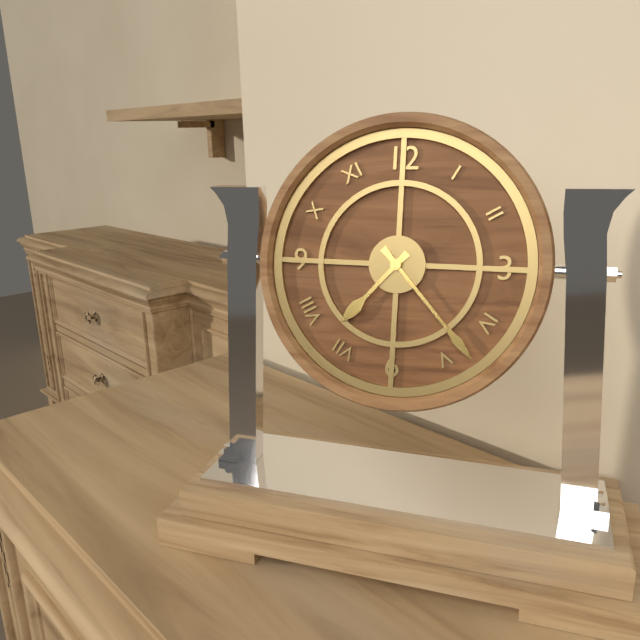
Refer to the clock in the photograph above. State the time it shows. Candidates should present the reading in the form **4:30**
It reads **7:23**
